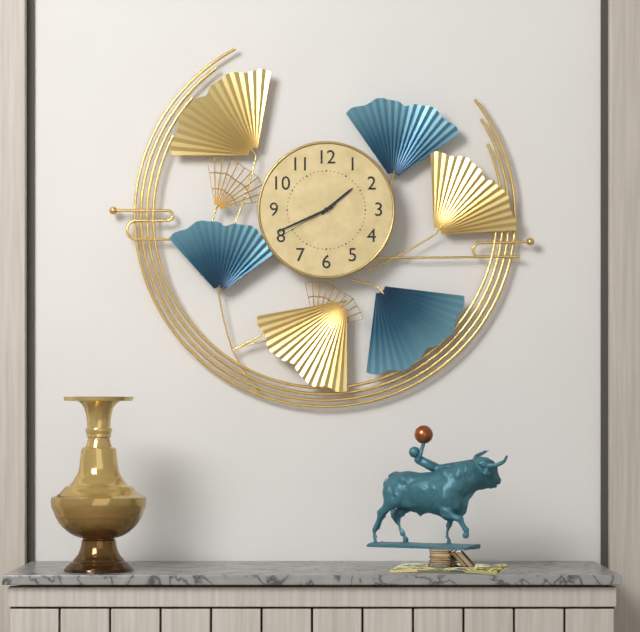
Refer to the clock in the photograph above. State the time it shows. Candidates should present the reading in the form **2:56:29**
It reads **1:41:40**
